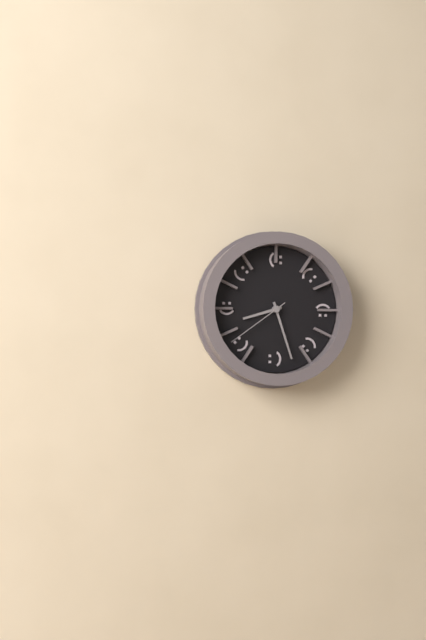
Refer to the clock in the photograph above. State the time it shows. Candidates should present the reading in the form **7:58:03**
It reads **8:27:39**
